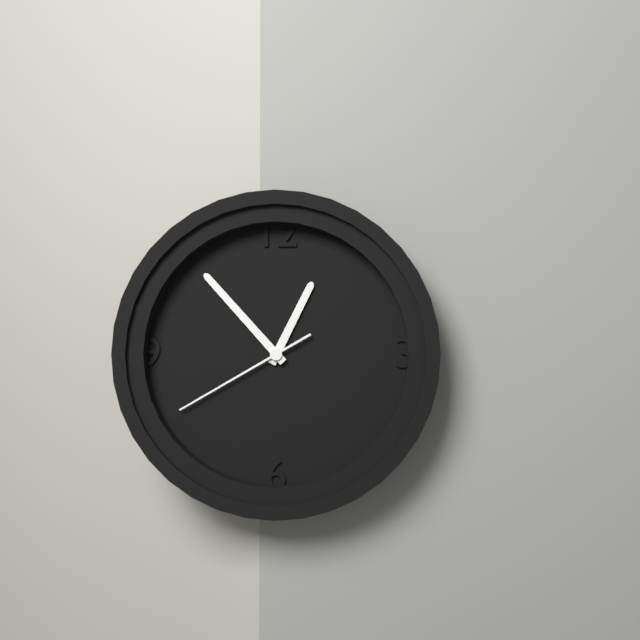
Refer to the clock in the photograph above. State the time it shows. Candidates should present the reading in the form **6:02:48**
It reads **12:53:40**
